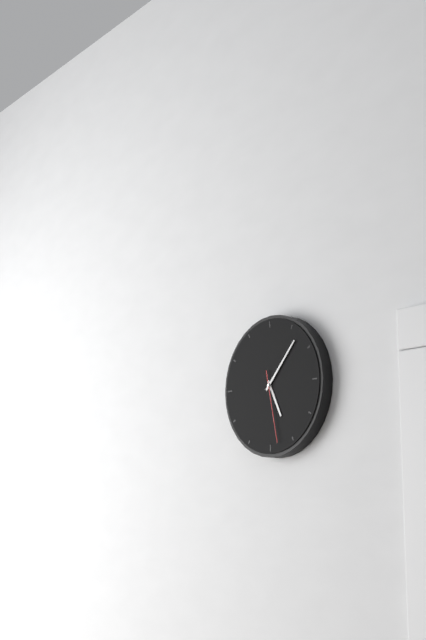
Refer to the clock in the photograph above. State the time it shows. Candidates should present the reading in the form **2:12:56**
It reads **5:07:28**
